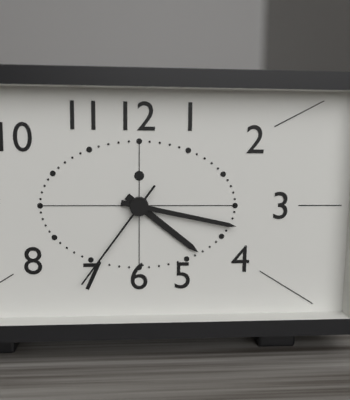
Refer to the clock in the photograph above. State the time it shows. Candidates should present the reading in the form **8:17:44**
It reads **4:17:36**
